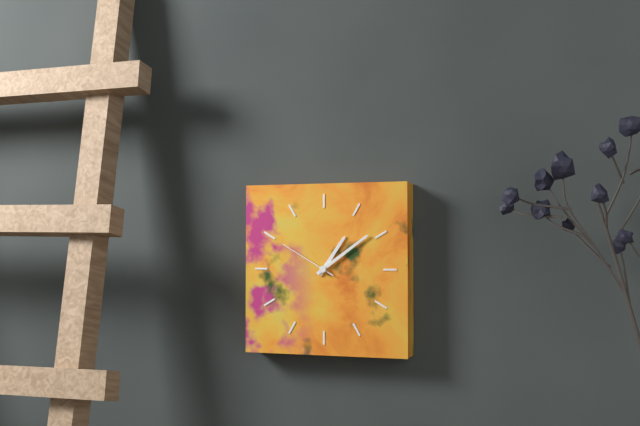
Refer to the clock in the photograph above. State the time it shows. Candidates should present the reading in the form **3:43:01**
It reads **1:09:50**
